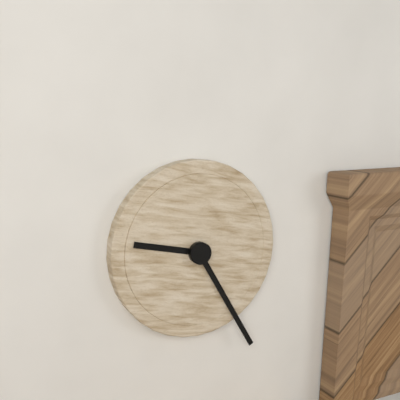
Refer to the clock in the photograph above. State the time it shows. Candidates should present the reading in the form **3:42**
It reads **9:25**
